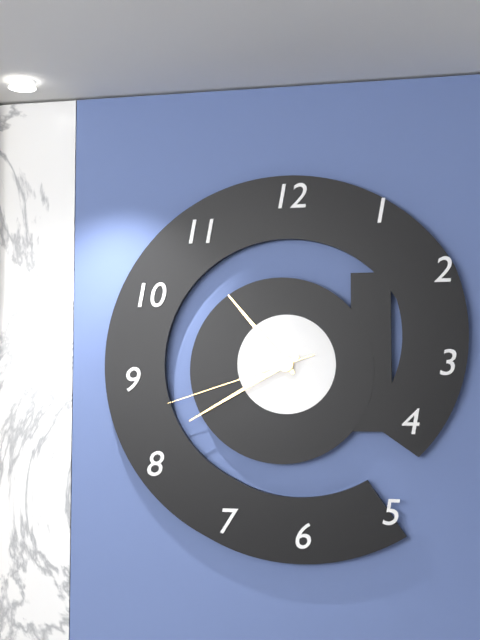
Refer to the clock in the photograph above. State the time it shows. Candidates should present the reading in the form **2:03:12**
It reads **10:40:42**
